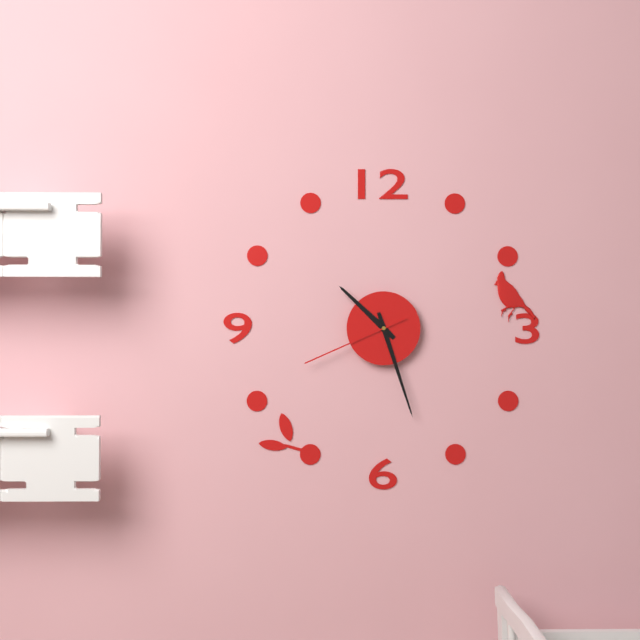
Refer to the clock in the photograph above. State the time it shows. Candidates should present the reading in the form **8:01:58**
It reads **10:27:41**
